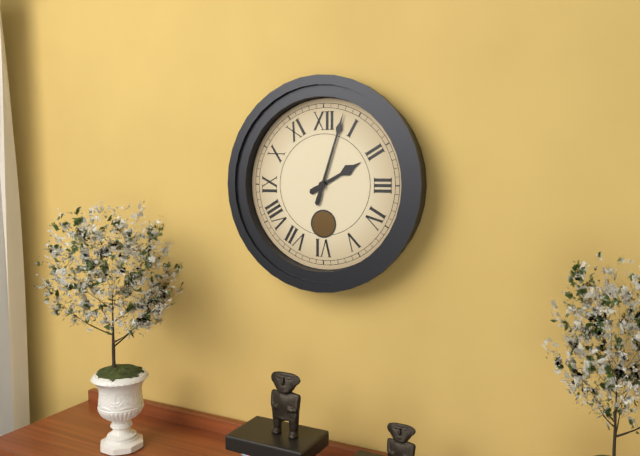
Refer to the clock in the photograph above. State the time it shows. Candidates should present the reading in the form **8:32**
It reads **2:03**
